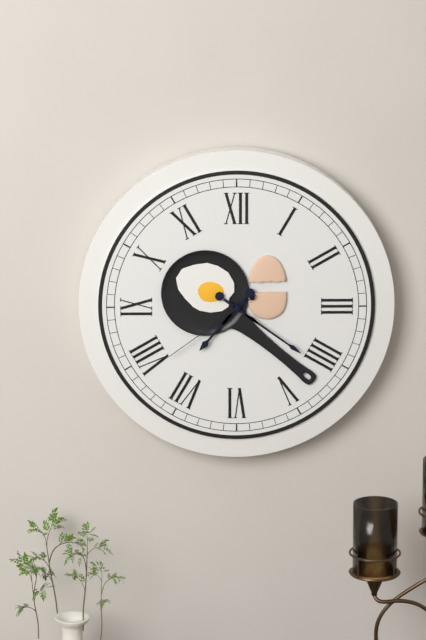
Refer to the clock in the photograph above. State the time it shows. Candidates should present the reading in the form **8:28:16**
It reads **7:21:39**
